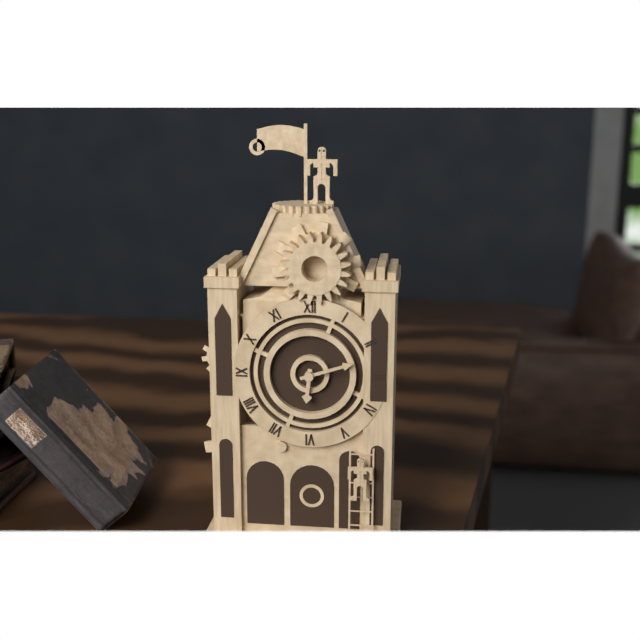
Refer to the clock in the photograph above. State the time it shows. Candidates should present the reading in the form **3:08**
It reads **6:12**
